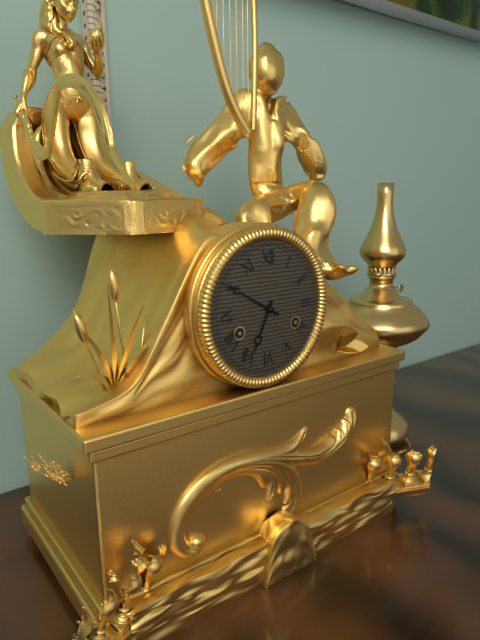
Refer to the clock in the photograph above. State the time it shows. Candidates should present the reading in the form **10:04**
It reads **6:50**
